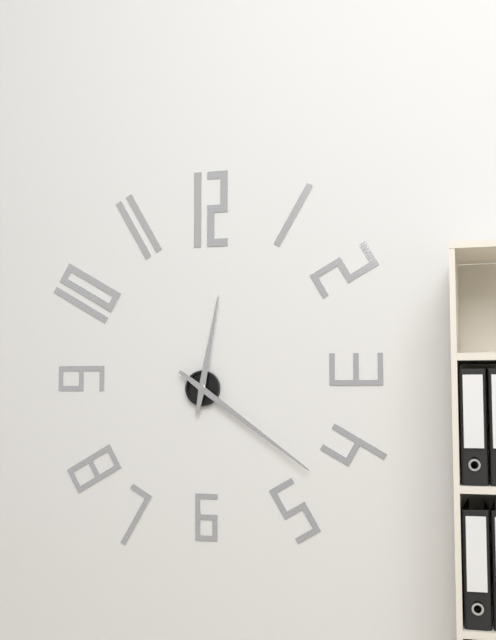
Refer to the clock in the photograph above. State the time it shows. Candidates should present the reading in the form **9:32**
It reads **12:21**
